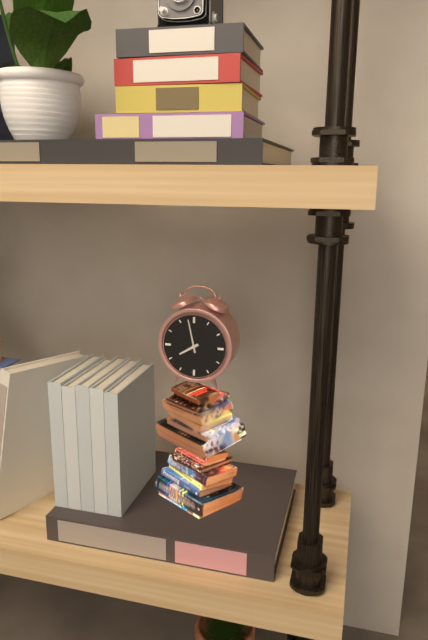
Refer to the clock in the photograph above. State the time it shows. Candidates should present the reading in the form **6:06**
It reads **7:58**
